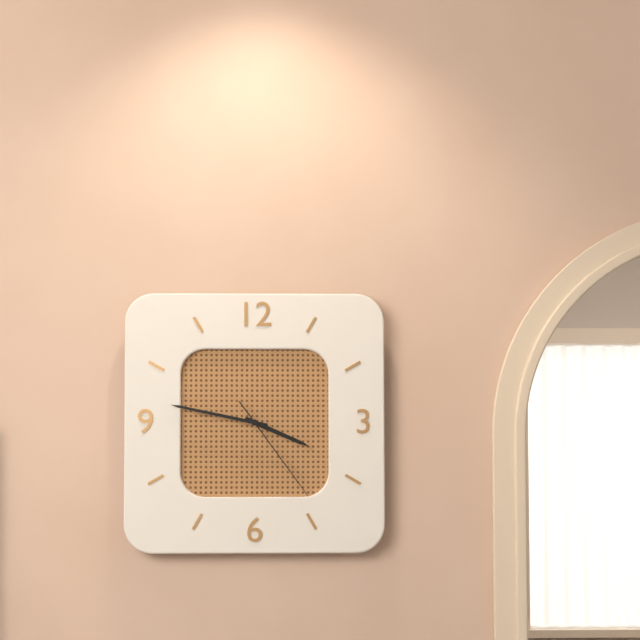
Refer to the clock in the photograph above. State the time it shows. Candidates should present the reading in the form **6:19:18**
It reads **3:47:24**
